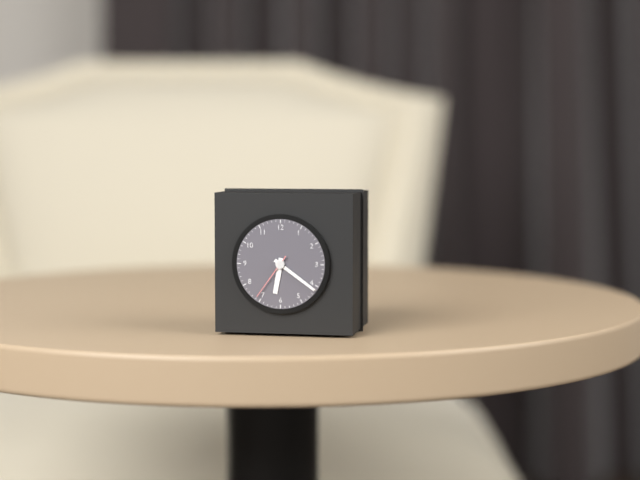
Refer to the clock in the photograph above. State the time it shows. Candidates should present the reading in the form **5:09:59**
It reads **6:21:36**
